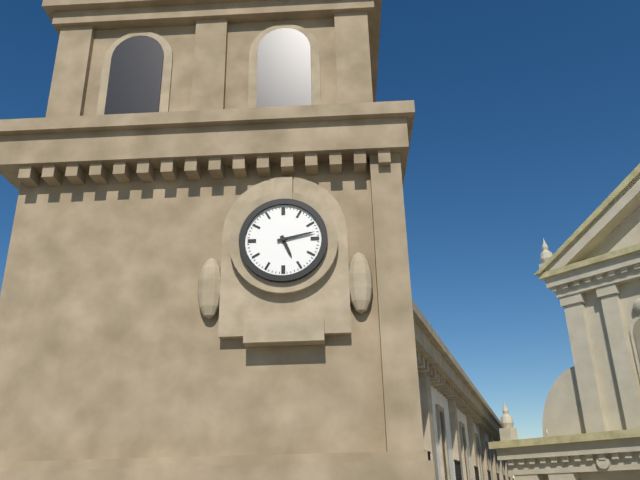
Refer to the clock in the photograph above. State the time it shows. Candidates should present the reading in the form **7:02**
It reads **5:13**
